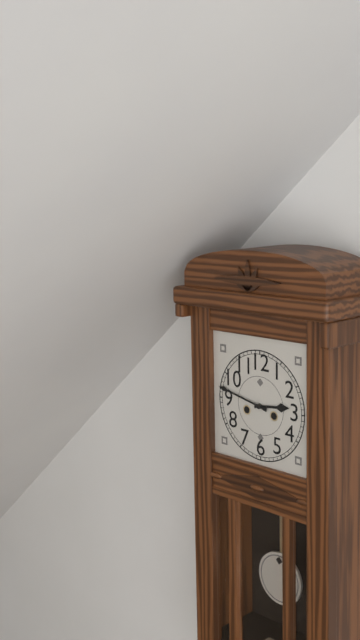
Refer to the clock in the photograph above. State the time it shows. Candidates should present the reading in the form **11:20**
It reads **2:47**
